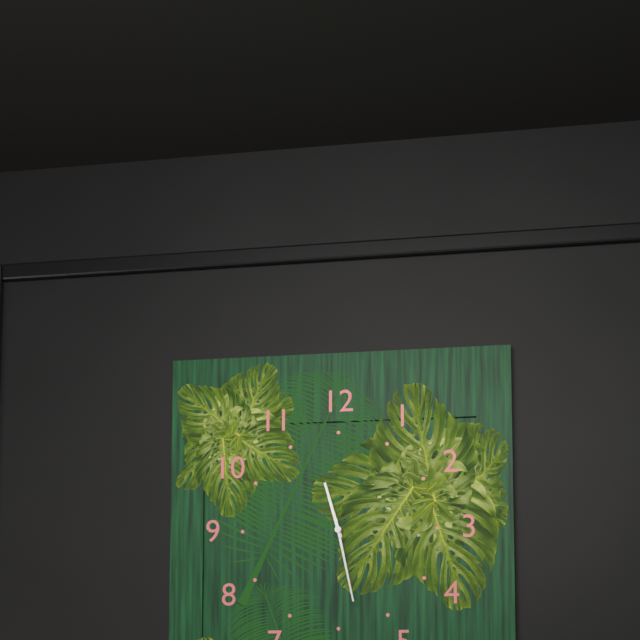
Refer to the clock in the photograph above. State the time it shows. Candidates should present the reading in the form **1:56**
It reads **11:28**
